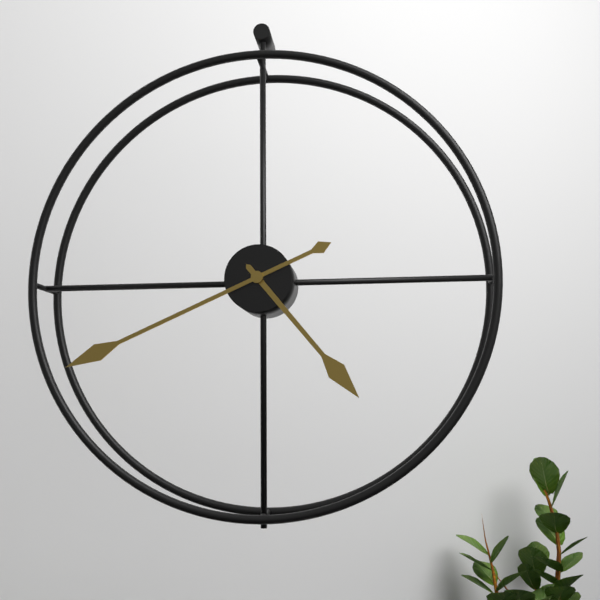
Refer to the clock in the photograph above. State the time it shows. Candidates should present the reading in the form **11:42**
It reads **4:41**
